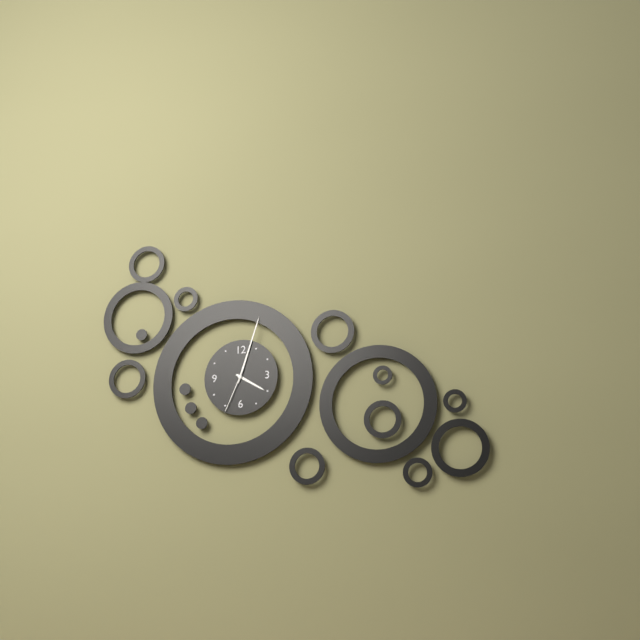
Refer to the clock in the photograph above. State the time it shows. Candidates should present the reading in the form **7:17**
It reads **4:03**
